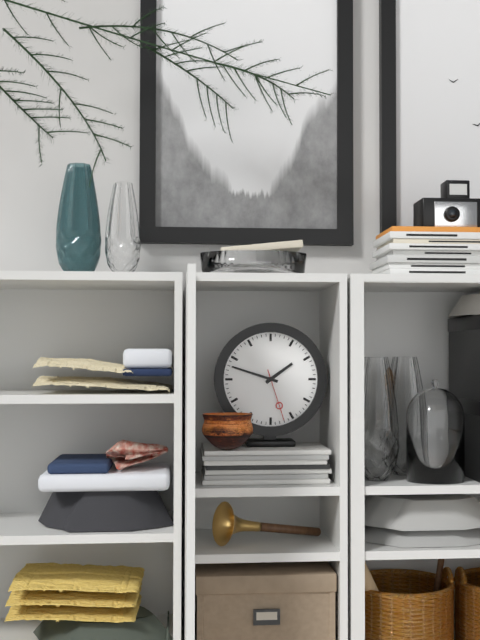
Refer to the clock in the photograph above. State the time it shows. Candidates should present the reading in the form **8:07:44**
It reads **1:48:27**
